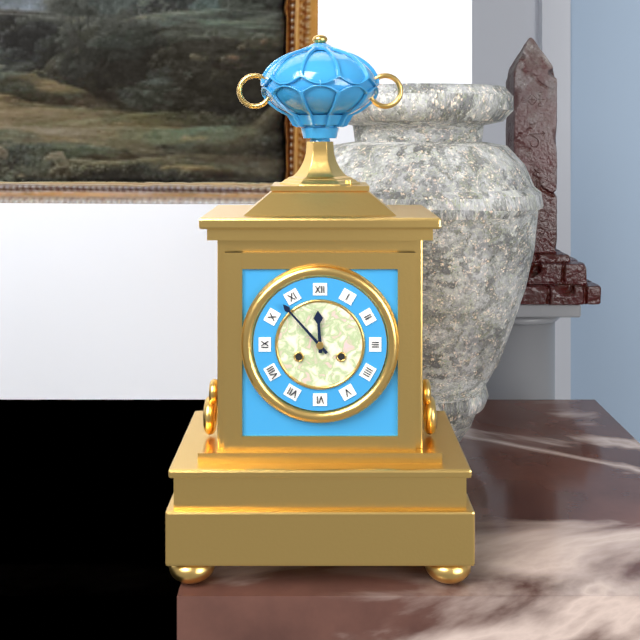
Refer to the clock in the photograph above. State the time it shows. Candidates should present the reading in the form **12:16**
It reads **11:53**
